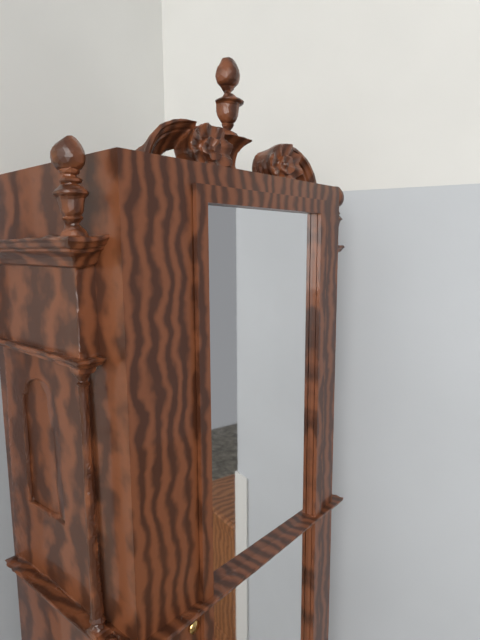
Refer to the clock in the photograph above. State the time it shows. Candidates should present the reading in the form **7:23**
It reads **9:12**
